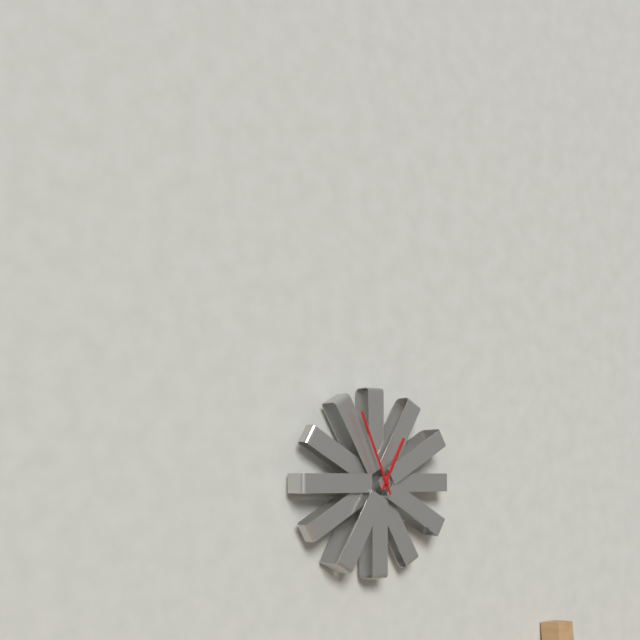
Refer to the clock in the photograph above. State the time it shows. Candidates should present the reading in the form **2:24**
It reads **12:56**
